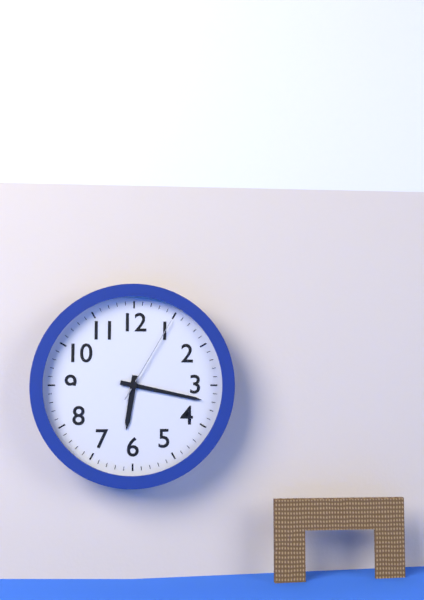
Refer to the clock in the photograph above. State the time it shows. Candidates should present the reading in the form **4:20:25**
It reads **6:17:05**
